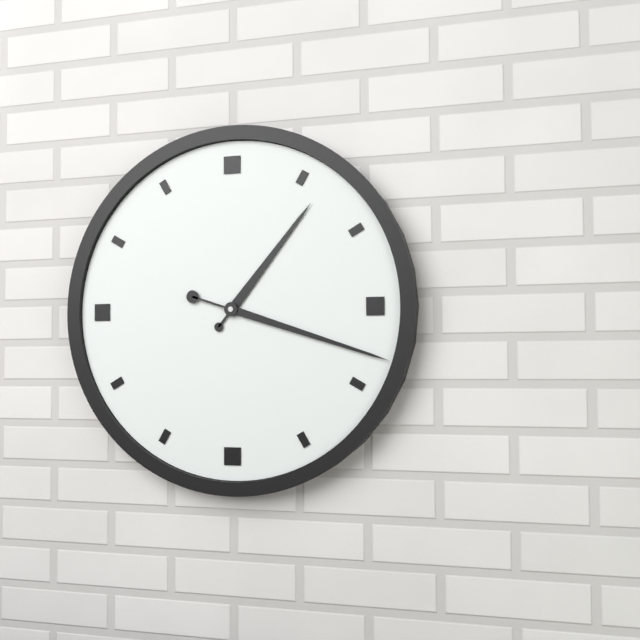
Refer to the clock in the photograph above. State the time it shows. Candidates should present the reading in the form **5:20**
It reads **1:18**
